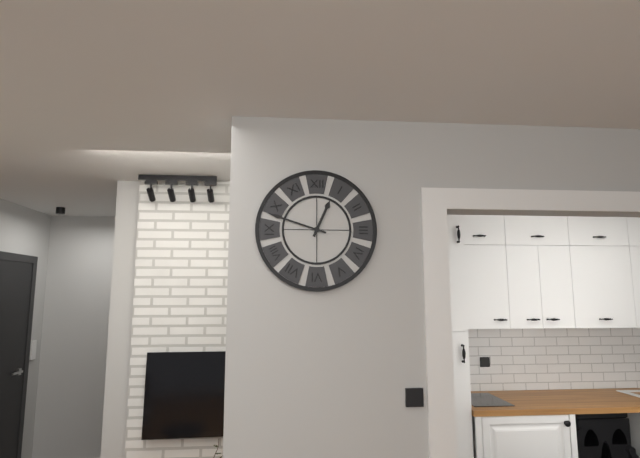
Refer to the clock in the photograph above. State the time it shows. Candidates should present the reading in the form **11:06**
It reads **12:48**
